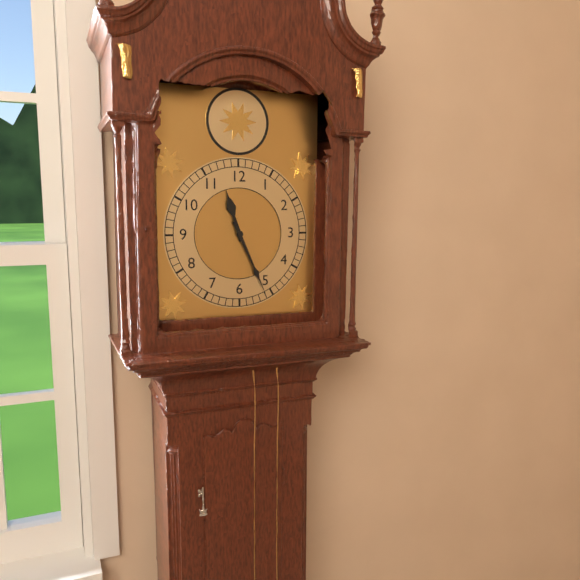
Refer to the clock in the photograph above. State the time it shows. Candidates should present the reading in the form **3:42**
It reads **11:26**
